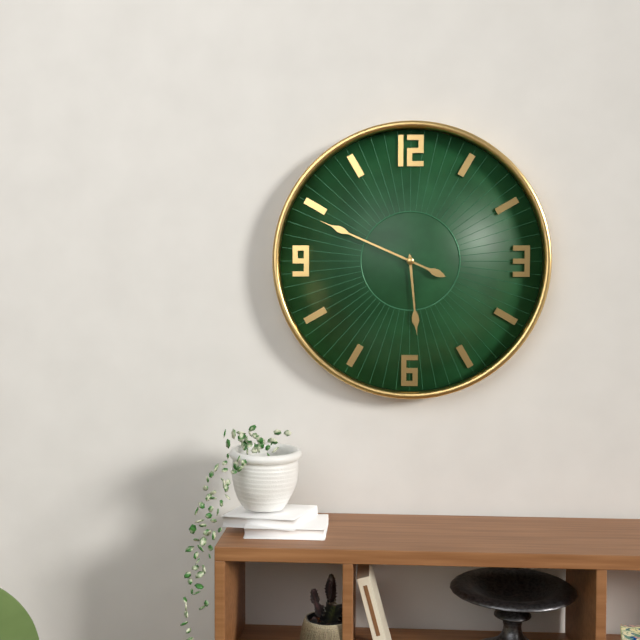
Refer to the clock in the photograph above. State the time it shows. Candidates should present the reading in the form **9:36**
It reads **5:49**
